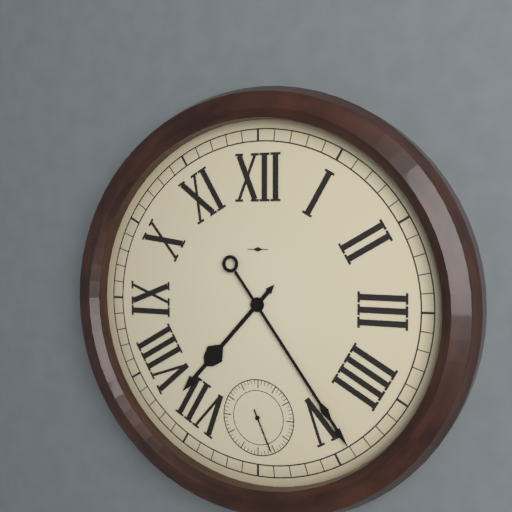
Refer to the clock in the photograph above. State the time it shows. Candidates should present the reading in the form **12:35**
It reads **7:24**
